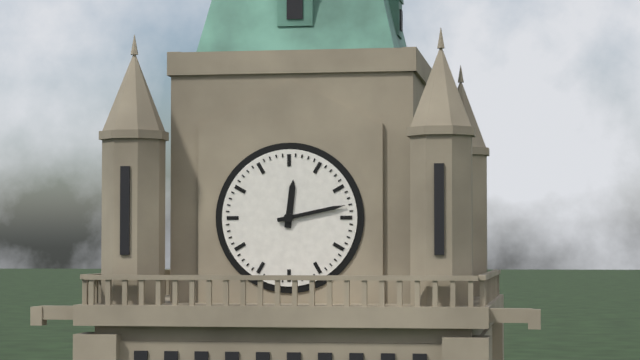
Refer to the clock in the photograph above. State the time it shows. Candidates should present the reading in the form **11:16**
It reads **12:13**
